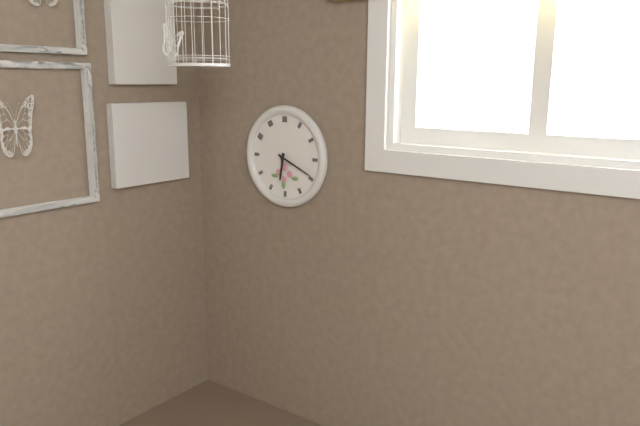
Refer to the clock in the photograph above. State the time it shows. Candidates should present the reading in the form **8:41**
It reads **6:19**
